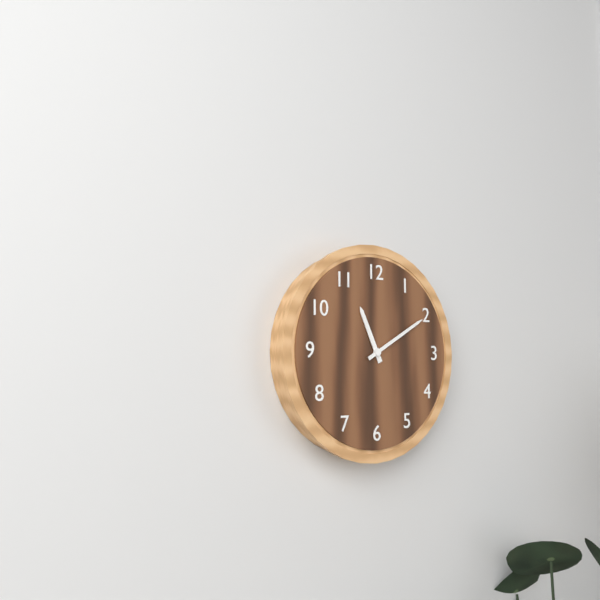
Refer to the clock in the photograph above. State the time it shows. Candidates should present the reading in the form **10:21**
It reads **11:10**
